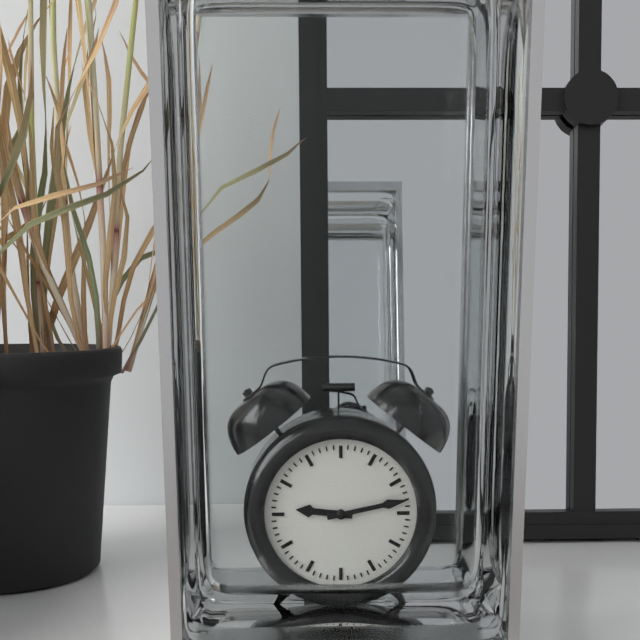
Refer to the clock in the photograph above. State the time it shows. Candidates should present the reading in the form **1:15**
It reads **9:13**
